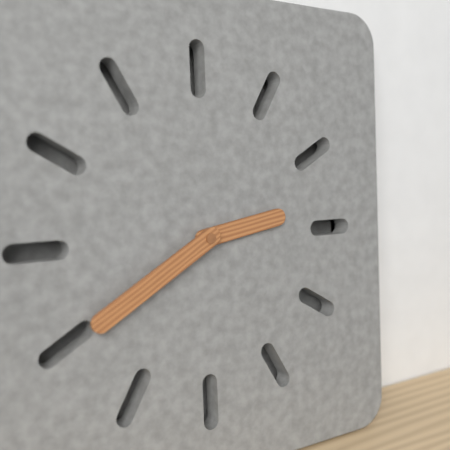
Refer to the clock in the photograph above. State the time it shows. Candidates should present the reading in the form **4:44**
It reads **2:40**
